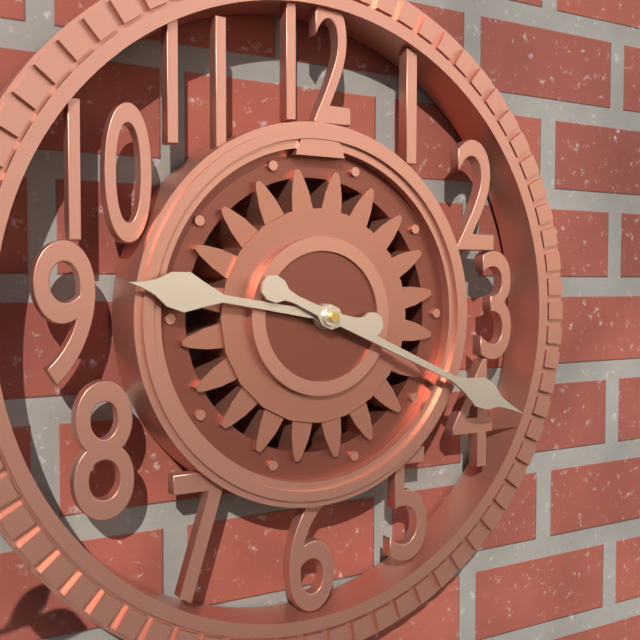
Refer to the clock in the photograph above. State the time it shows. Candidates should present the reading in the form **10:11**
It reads **9:19**
